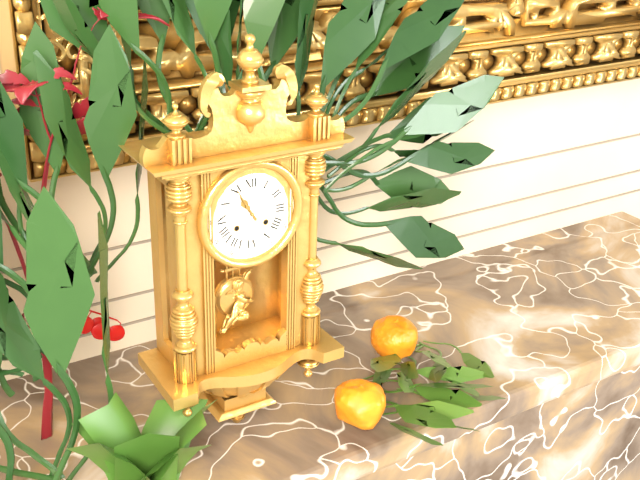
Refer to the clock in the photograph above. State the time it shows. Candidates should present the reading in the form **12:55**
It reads **10:55**
